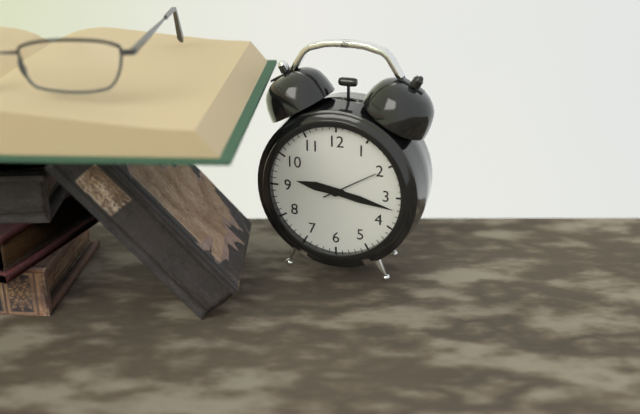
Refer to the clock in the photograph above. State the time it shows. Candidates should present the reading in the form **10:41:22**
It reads **9:17:10**
